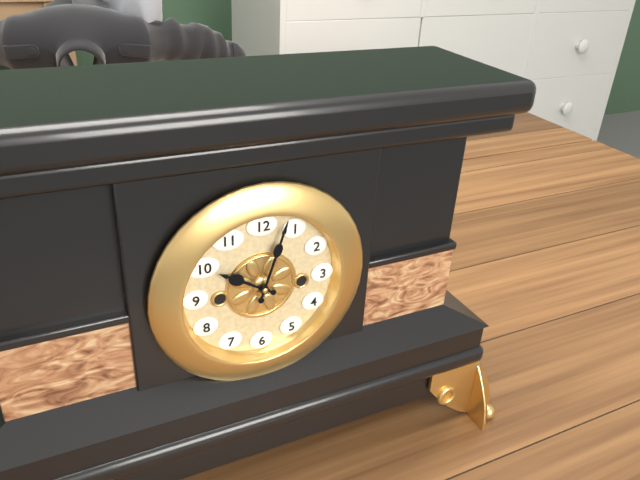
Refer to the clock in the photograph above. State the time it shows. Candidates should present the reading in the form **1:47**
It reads **10:03**
